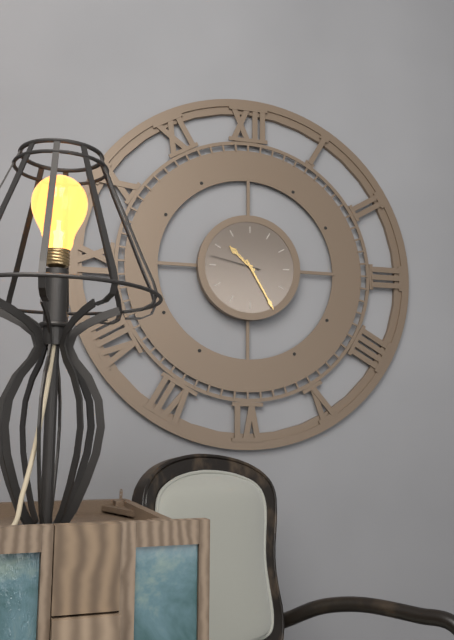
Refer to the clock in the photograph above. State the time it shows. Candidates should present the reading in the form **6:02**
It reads **10:25**
